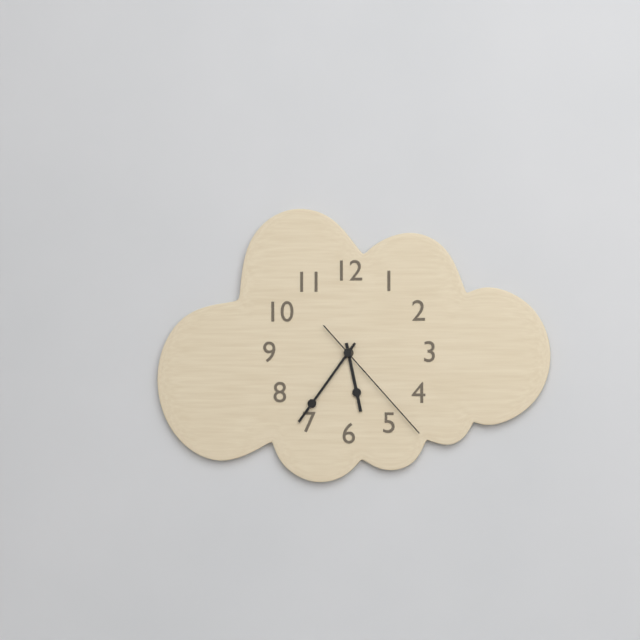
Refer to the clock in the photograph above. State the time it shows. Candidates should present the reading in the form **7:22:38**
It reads **5:36:23**
